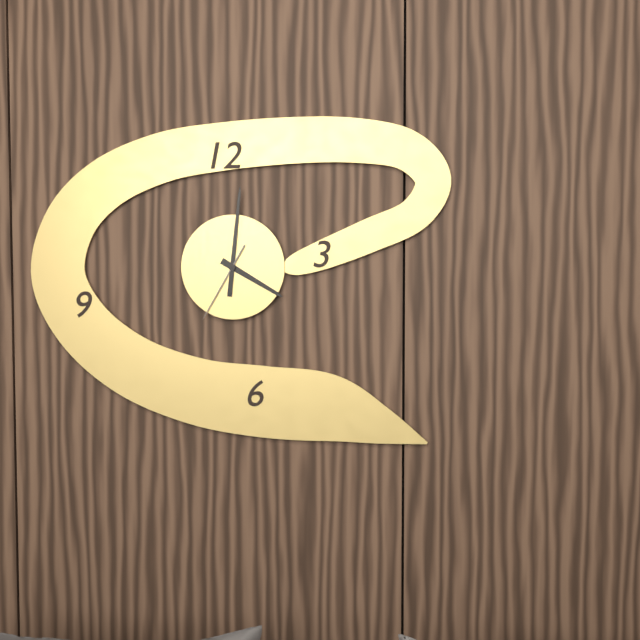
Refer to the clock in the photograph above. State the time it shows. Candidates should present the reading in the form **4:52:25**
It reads **4:01:35**
